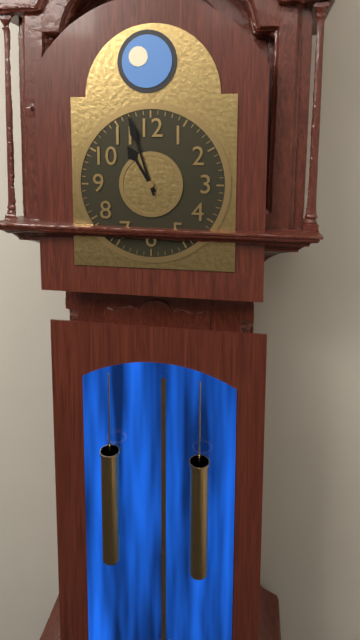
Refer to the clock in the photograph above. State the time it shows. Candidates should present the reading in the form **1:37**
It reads **10:57**
